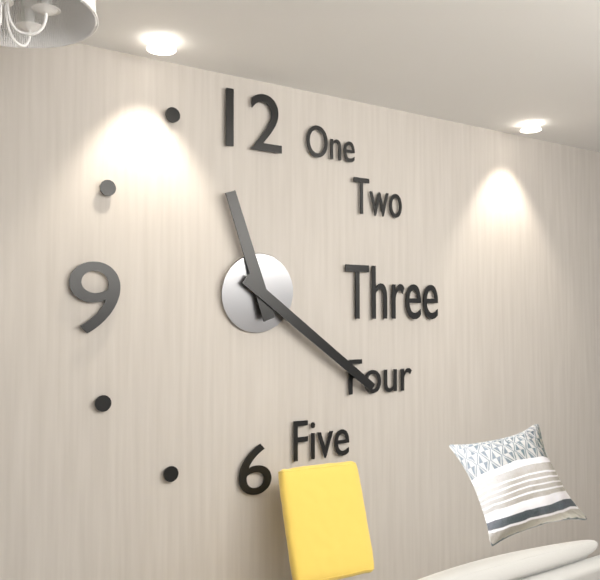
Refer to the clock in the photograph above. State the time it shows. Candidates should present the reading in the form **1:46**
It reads **11:21**
